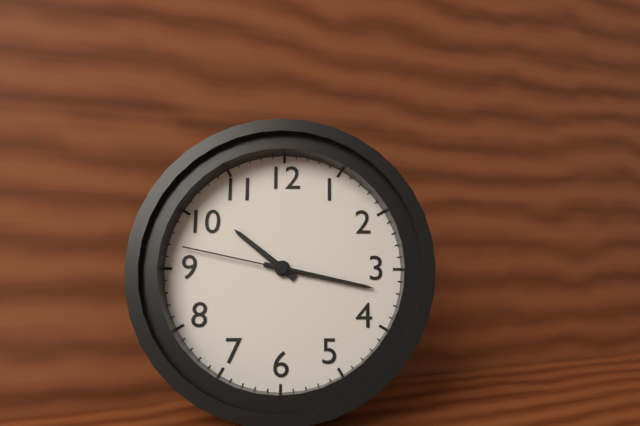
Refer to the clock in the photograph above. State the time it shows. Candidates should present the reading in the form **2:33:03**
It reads **10:17:47**
